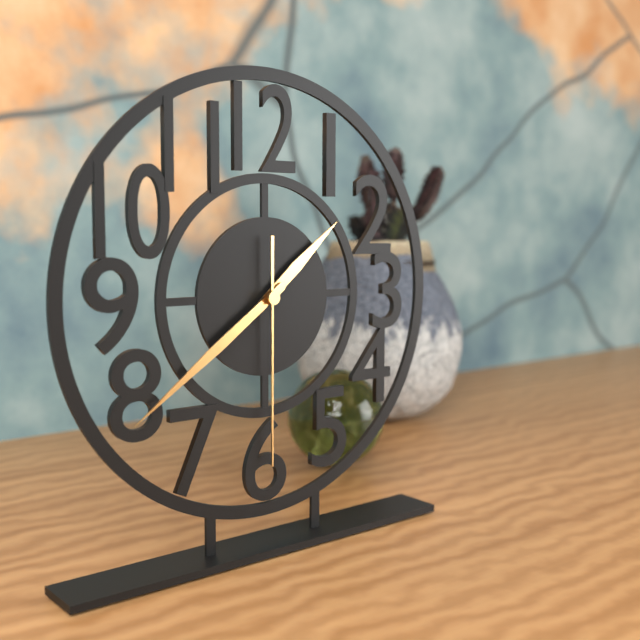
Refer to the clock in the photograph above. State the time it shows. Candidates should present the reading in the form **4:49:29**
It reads **1:39:30**
